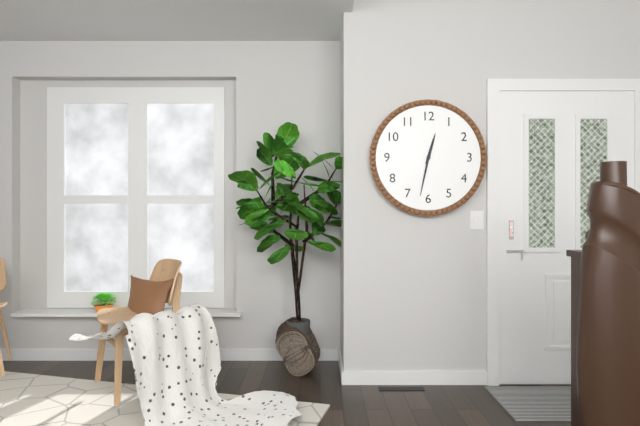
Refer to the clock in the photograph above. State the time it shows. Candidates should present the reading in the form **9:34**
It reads **12:32**
